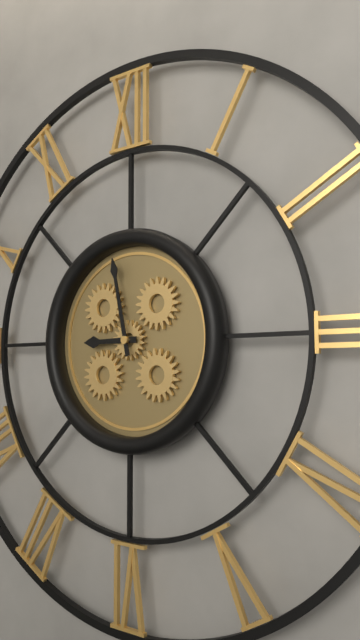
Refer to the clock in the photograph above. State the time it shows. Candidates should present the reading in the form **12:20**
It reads **8:58**
